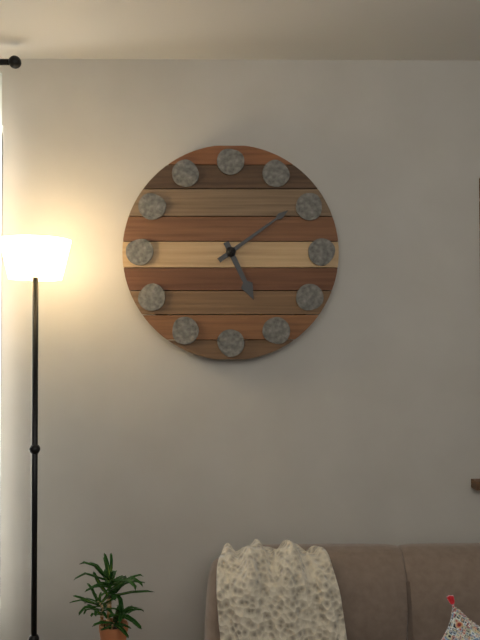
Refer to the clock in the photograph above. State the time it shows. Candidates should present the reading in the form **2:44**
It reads **5:09**
